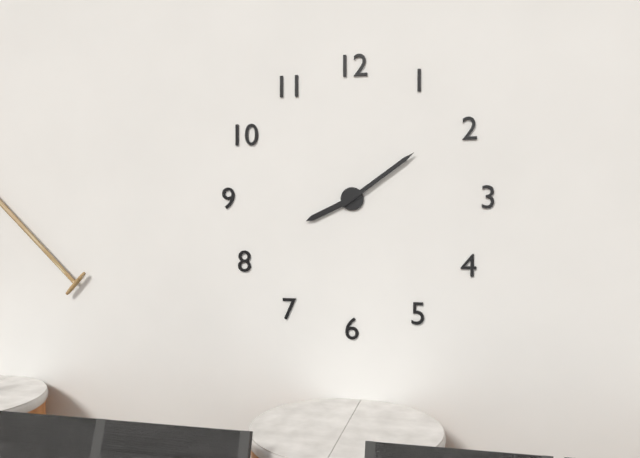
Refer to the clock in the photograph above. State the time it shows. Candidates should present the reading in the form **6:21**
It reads **8:09**
